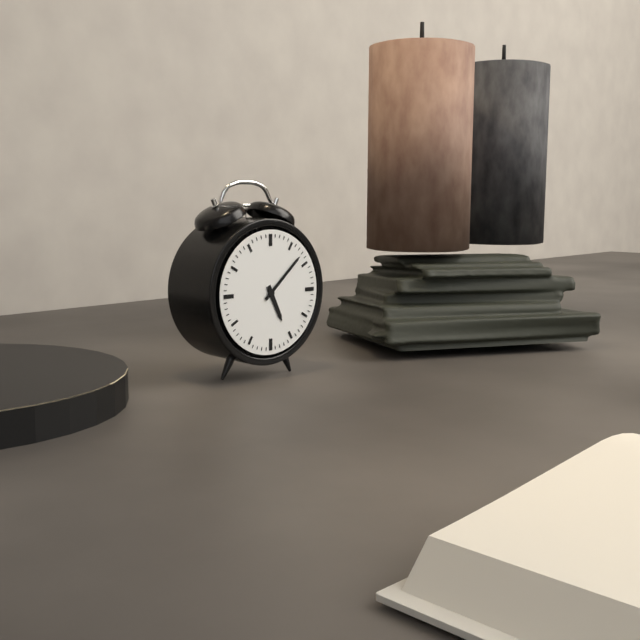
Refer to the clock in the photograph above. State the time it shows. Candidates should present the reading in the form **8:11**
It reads **5:08**
